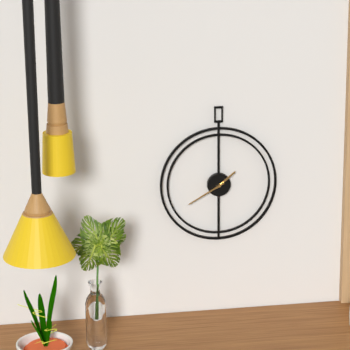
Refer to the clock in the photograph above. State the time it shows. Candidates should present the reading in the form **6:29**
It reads **1:40**
